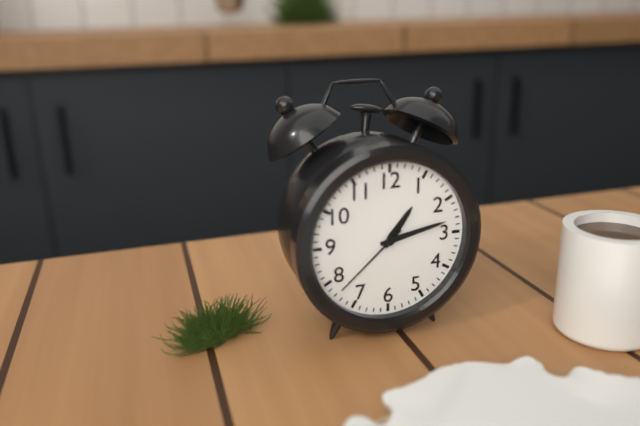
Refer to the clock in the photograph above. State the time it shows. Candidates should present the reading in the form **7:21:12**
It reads **1:13:38**
